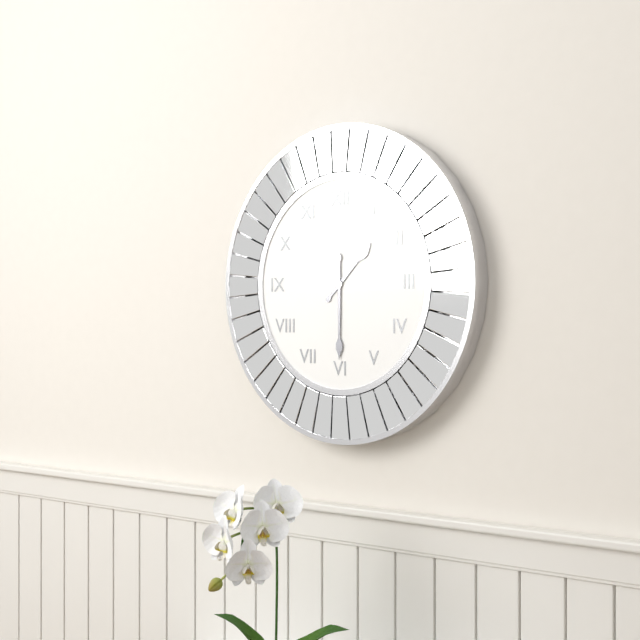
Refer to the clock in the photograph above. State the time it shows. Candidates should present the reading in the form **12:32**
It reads **1:30**
